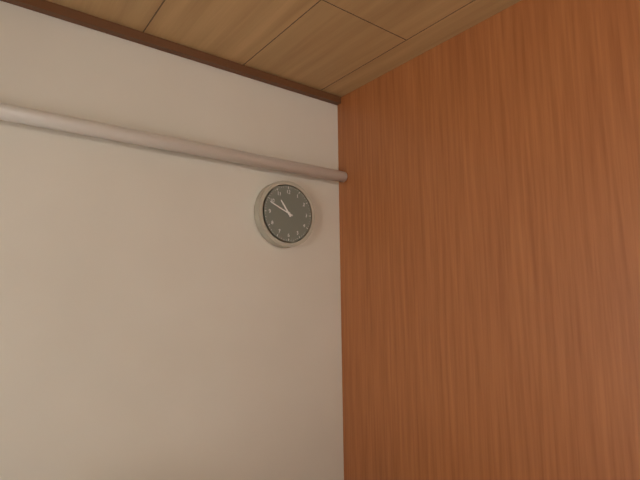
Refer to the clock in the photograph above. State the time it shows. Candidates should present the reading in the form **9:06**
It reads **10:49**
